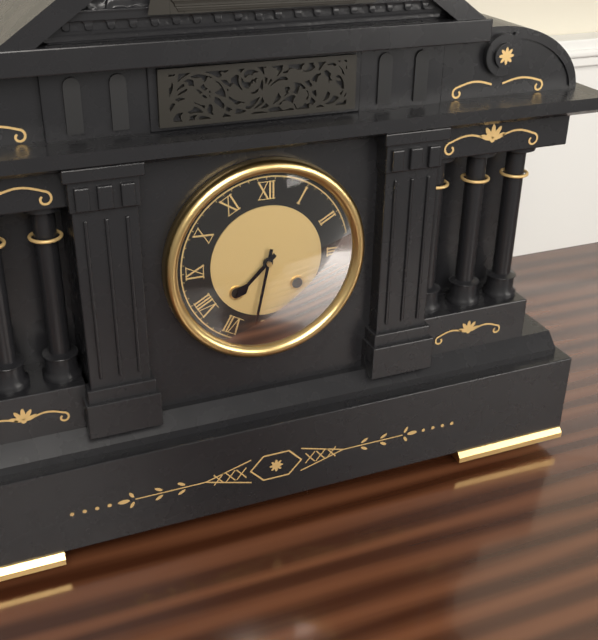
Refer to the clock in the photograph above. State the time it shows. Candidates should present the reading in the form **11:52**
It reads **7:32**
